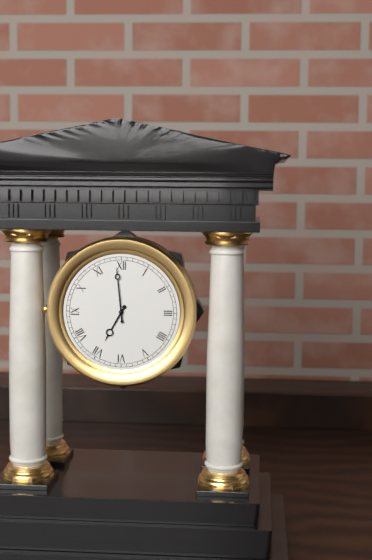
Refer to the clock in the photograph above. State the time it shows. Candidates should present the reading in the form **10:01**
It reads **6:59**
